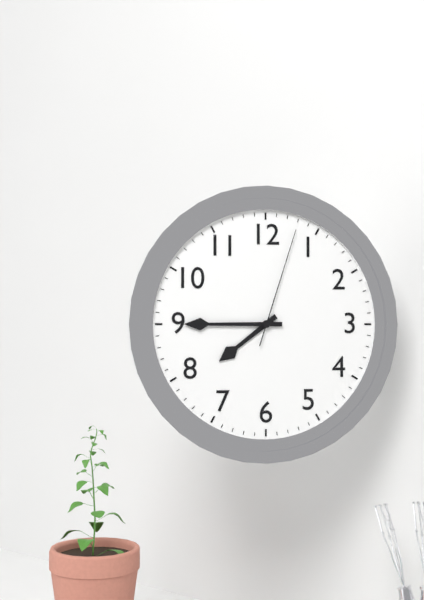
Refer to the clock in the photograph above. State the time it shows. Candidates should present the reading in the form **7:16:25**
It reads **7:45:03**
